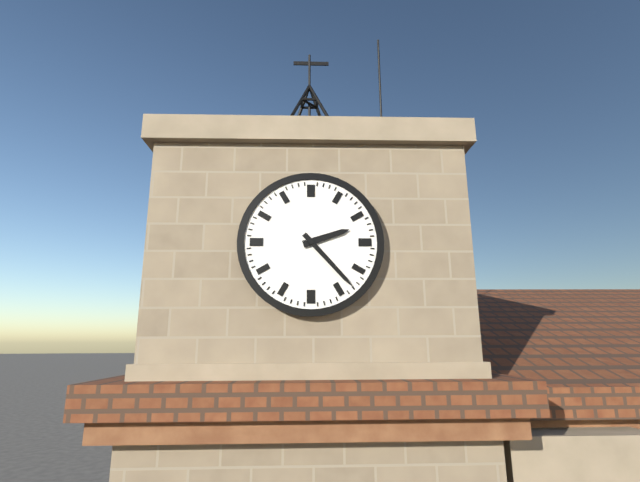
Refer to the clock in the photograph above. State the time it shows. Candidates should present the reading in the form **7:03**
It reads **2:23**
